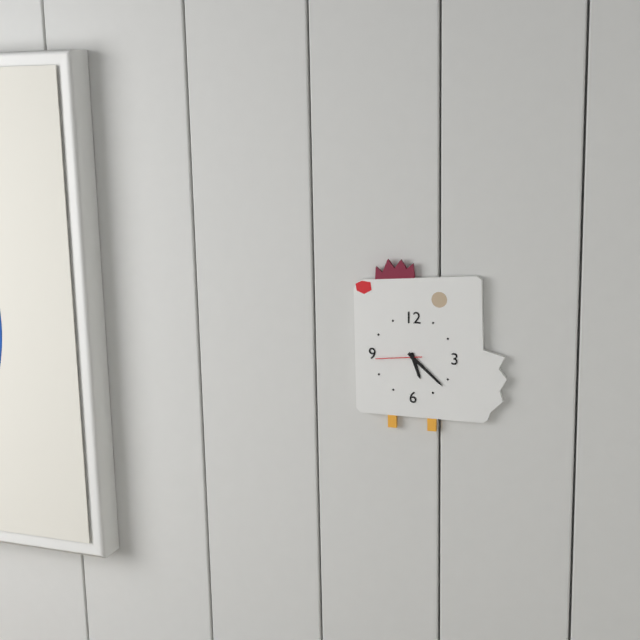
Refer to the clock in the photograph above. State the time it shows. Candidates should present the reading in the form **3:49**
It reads **5:22**
